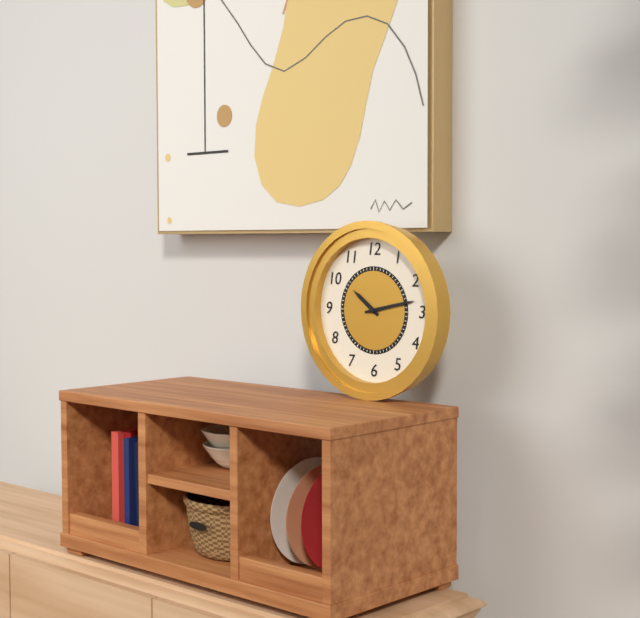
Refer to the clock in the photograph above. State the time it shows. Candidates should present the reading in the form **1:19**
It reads **10:13**
